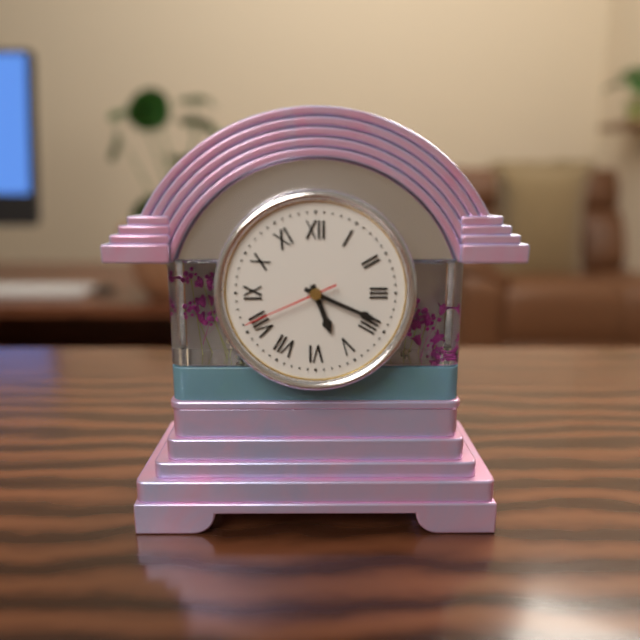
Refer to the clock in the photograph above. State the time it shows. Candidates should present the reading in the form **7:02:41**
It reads **5:19:41**
